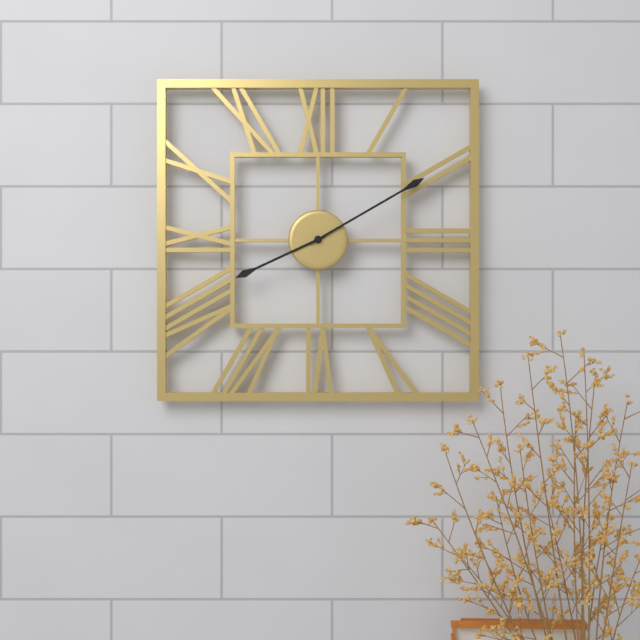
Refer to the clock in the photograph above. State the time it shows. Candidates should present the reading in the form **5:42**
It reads **8:10**
